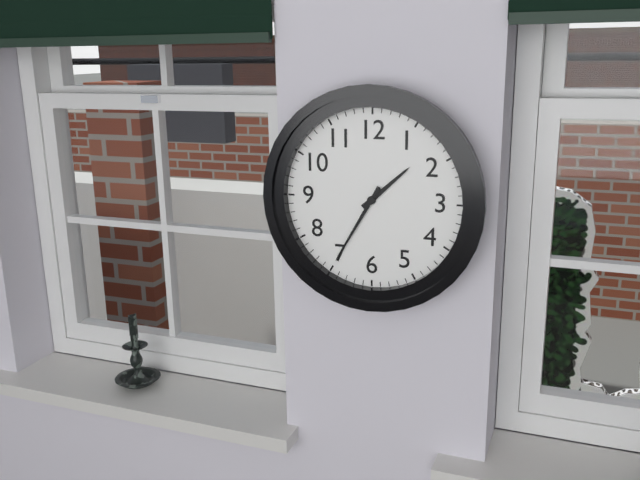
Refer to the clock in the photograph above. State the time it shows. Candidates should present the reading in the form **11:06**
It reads **1:35**
